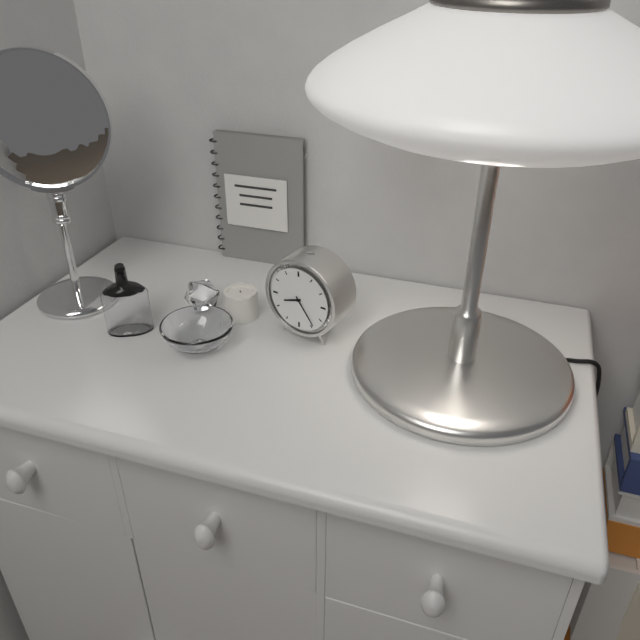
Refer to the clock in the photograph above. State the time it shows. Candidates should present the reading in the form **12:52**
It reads **8:24**
